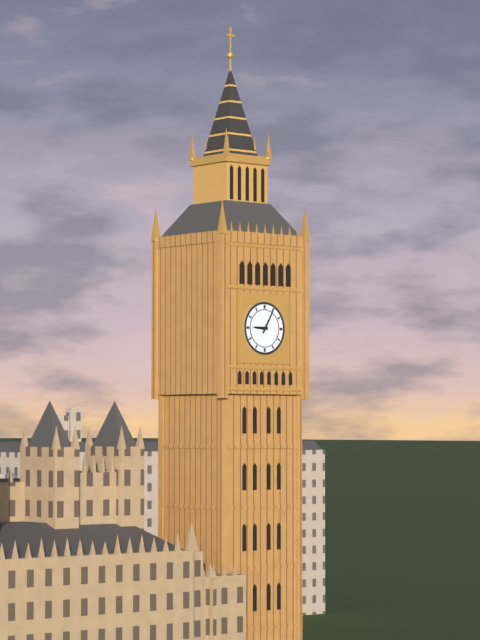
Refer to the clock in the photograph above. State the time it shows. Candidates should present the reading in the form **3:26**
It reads **9:05**
